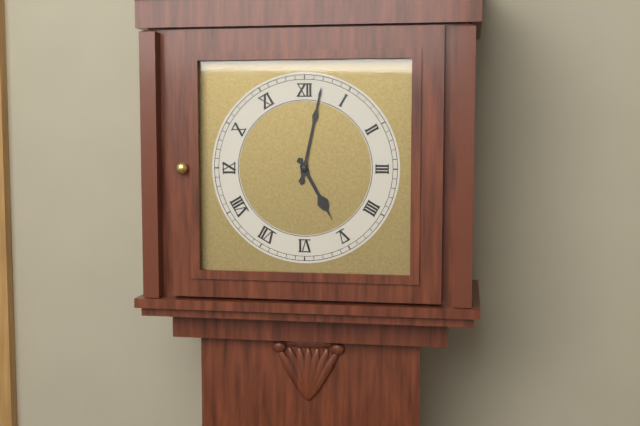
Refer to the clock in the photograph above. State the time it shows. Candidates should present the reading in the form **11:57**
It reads **5:02**
